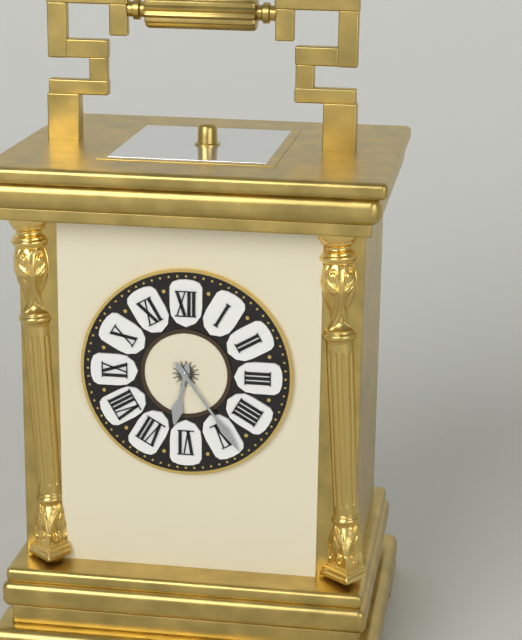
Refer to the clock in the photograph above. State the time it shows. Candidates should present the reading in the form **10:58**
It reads **6:24**
